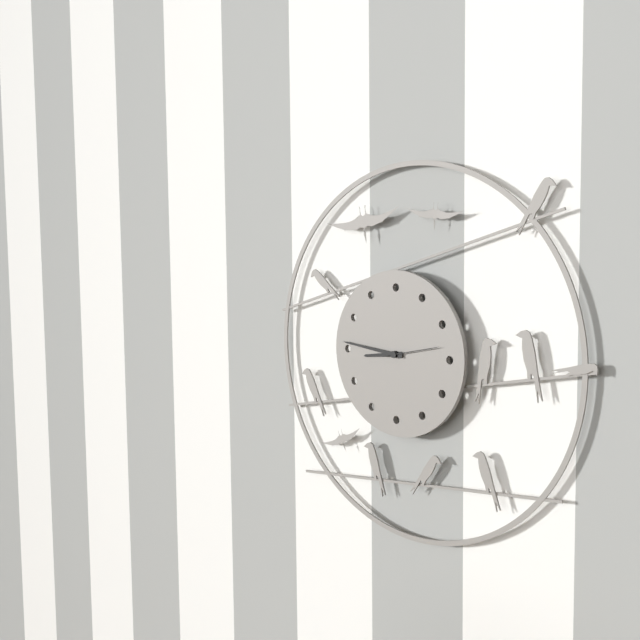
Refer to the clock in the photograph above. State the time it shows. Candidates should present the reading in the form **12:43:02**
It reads **8:46:13**
